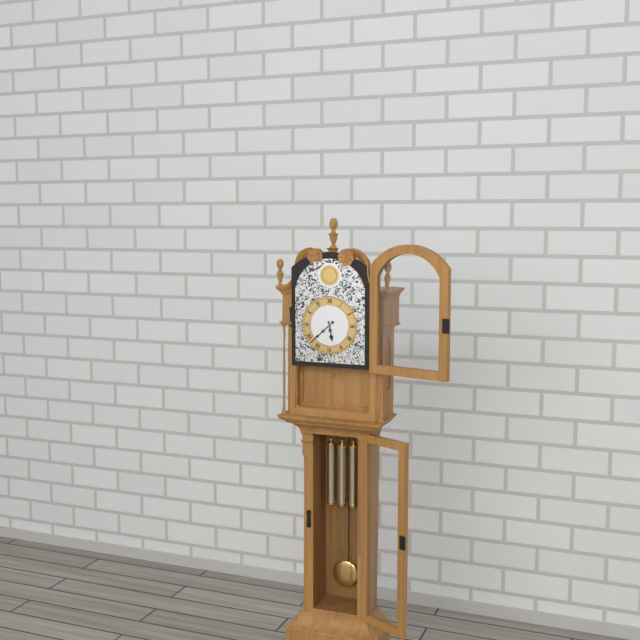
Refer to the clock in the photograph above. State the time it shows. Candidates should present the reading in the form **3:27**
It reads **5:38**
